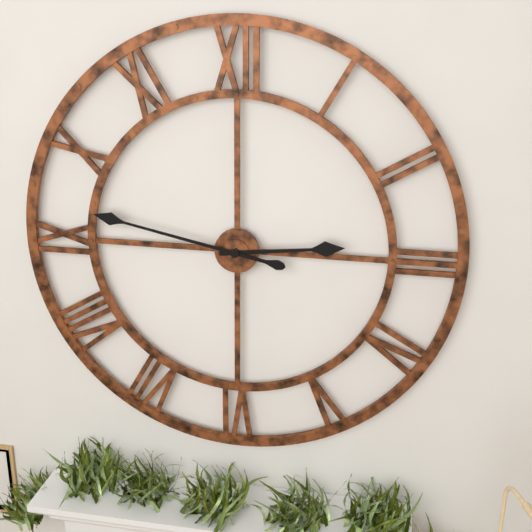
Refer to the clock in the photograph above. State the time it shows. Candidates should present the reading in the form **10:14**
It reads **2:47**
